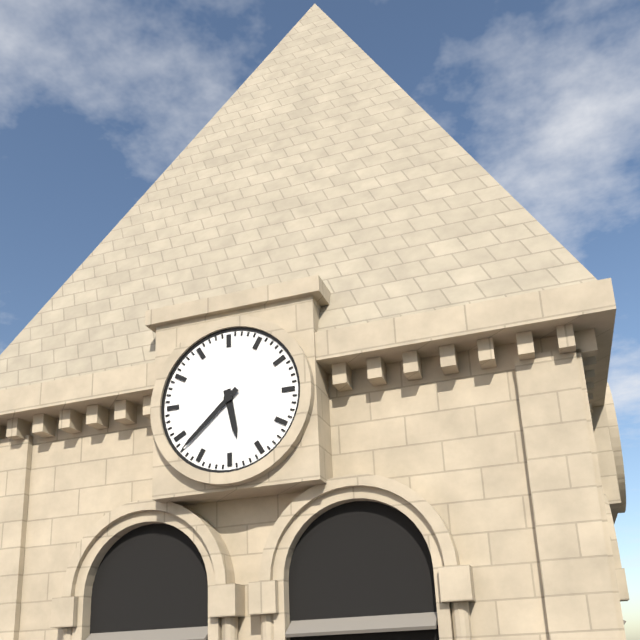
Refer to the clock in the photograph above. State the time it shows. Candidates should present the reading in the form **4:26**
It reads **5:38**
